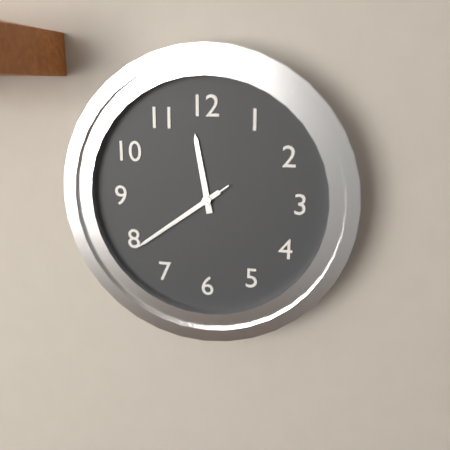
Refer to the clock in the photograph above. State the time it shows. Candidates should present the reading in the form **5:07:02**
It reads **11:39:39**
